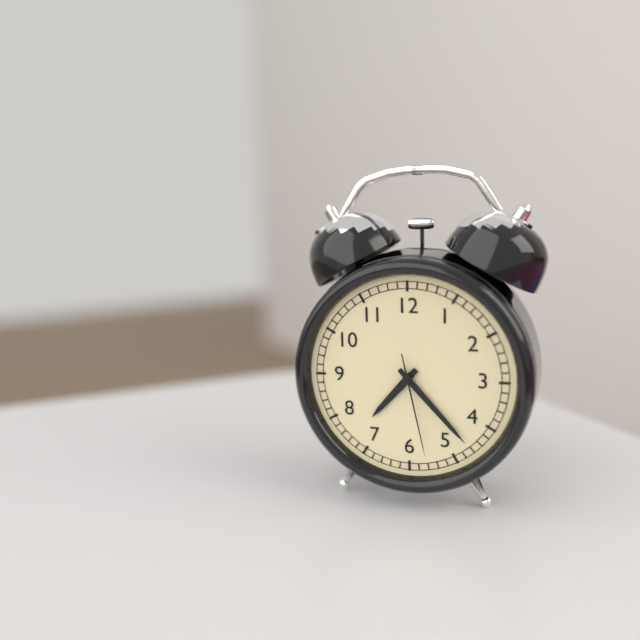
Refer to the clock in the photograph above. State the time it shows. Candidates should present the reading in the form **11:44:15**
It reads **7:23:28**
